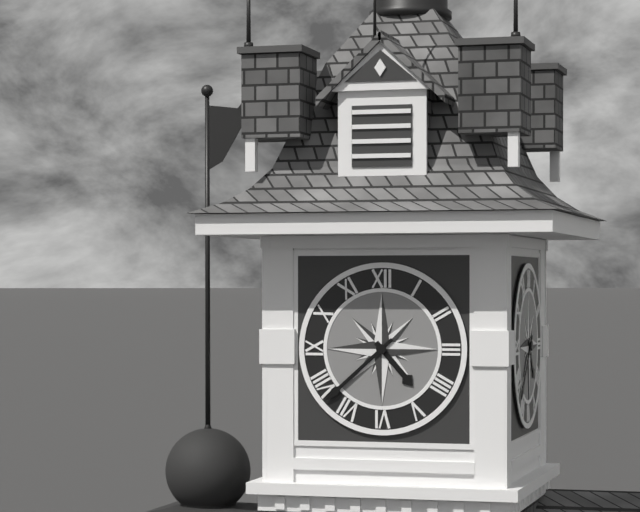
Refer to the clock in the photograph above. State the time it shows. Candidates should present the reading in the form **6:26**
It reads **4:38**
